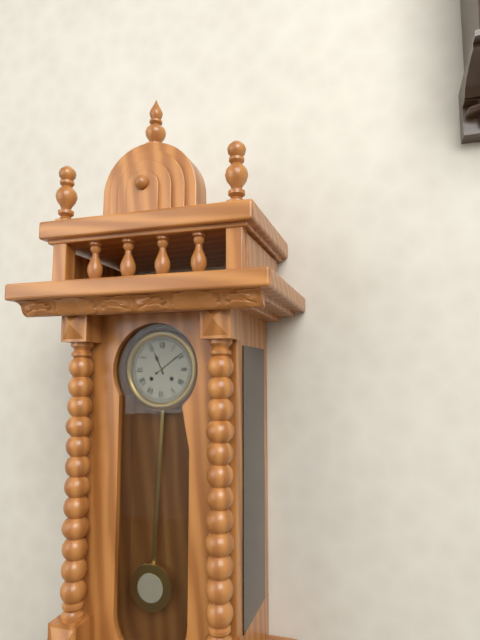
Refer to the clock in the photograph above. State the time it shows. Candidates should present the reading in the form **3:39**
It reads **11:09**
